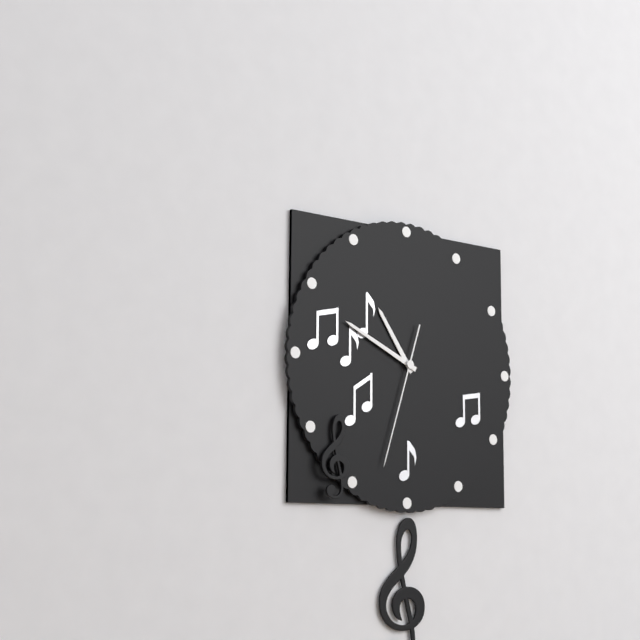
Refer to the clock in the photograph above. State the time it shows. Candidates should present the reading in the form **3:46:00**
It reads **10:49:33**
